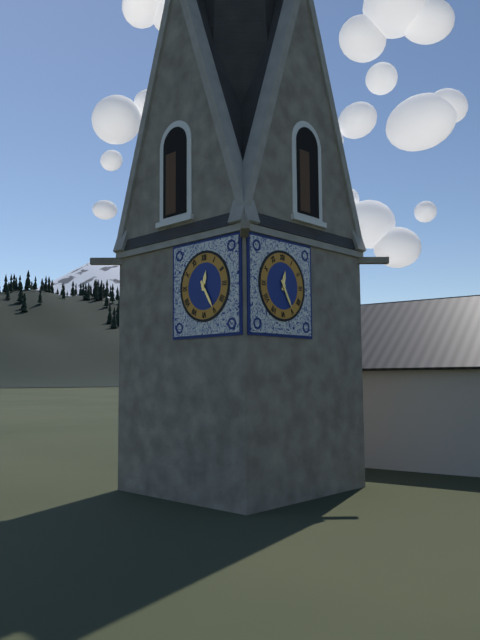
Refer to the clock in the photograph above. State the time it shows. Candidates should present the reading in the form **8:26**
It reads **12:25**
